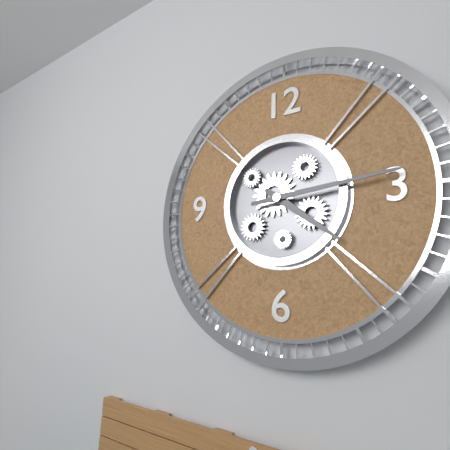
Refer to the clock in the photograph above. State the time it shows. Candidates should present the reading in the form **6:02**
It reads **4:14**
